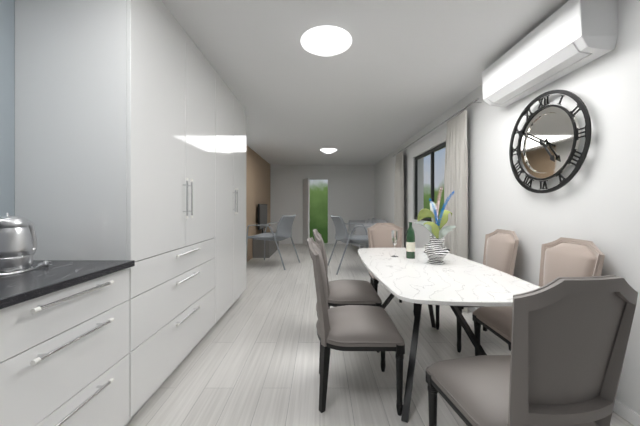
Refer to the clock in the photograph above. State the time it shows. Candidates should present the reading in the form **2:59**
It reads **4:50**
